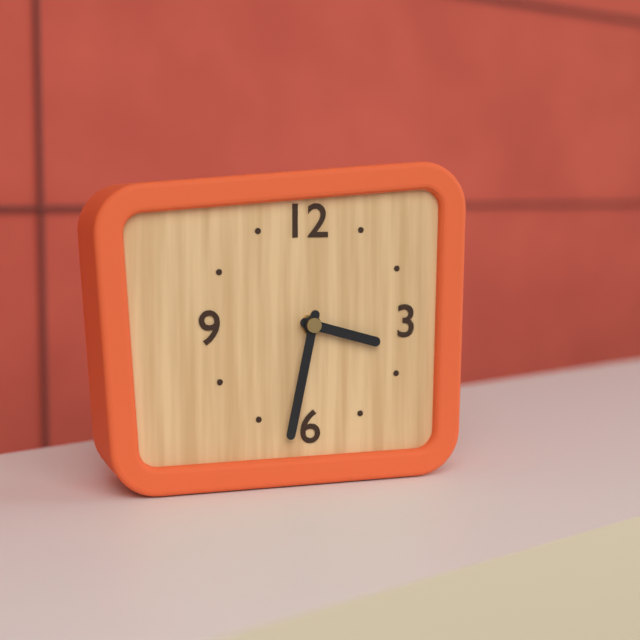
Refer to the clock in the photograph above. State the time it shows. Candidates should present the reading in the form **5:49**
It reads **3:32**
